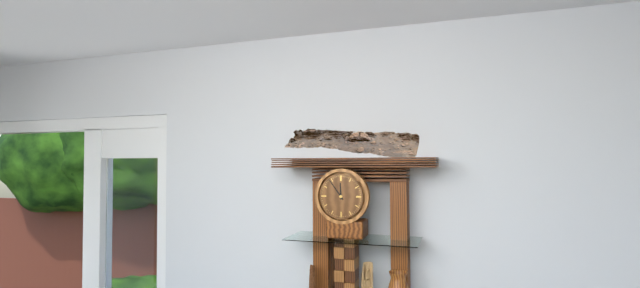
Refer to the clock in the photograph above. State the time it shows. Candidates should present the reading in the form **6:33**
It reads **11:54**
